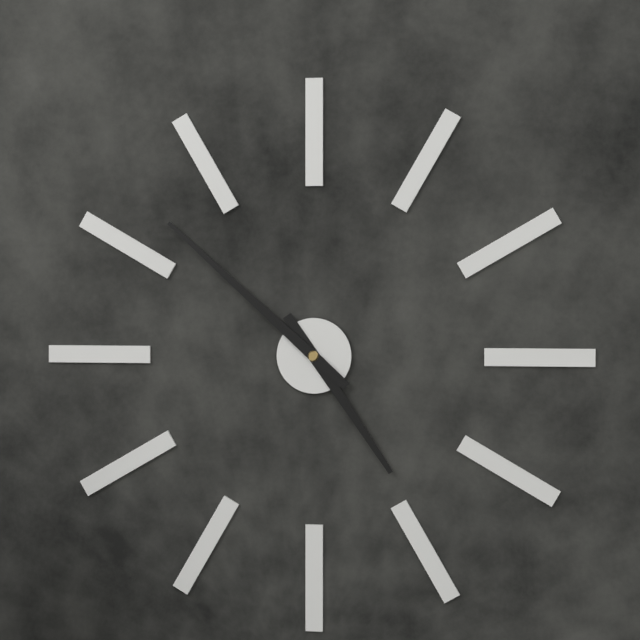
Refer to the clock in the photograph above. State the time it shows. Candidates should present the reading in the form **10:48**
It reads **4:52**
